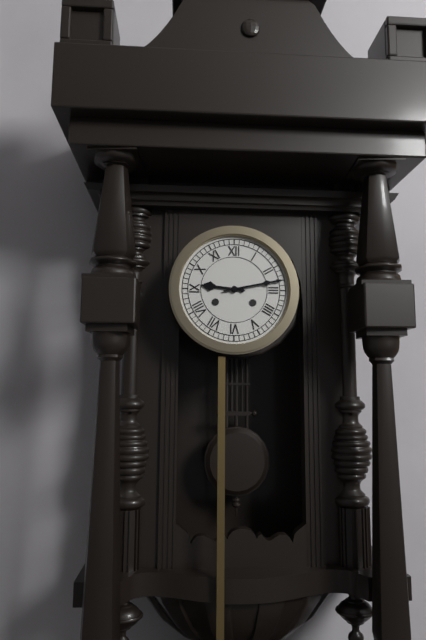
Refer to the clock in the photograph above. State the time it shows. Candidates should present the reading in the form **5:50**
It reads **9:13**
